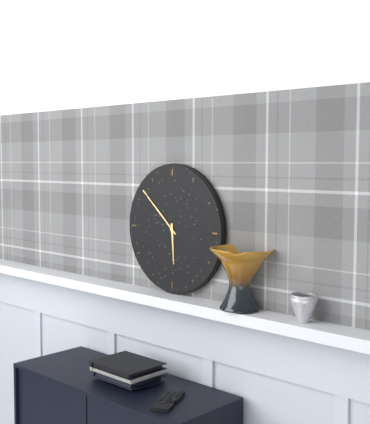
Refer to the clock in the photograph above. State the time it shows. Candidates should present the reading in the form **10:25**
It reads **5:52**
